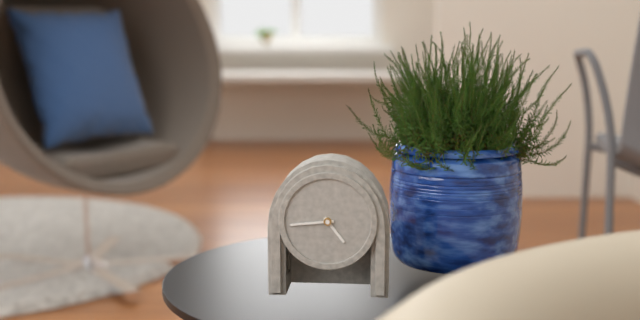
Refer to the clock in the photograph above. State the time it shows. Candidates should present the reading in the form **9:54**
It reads **4:44**
